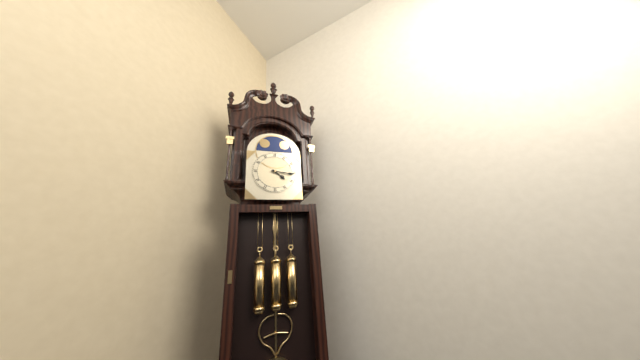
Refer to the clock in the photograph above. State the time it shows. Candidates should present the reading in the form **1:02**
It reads **4:16**
